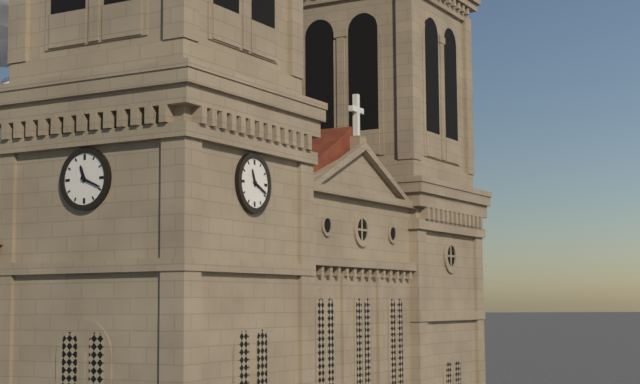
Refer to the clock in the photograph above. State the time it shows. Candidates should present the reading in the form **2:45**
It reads **11:19**
